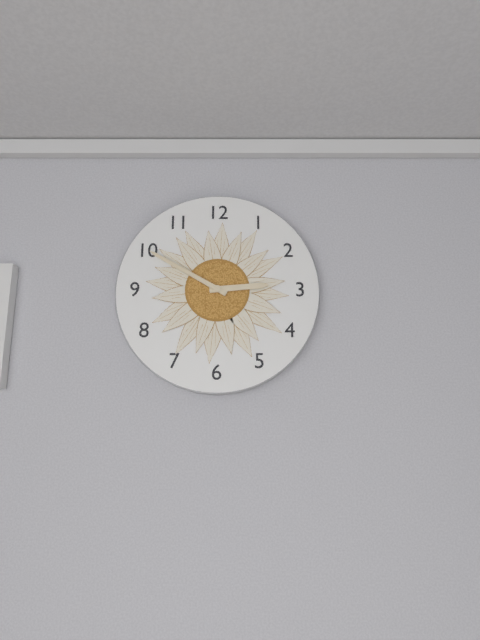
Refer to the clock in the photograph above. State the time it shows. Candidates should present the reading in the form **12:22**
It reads **2:50**
